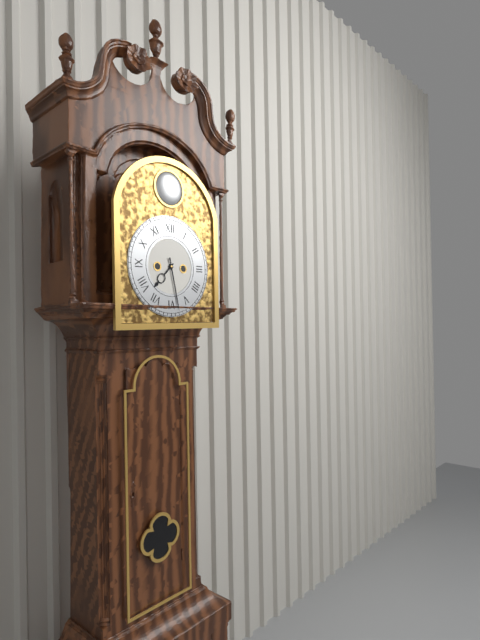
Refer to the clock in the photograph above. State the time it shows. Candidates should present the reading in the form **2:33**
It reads **7:28**
